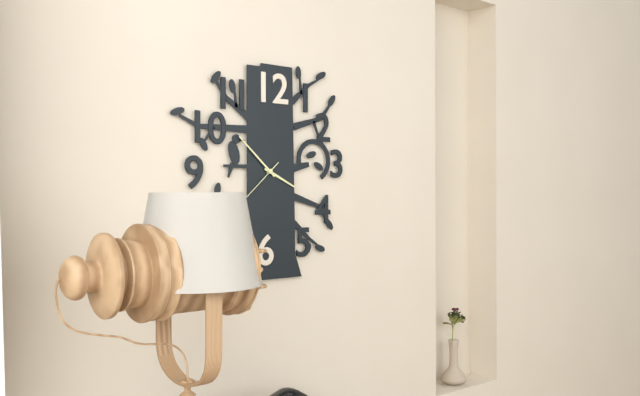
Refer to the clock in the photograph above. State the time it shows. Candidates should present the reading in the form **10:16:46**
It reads **3:52:38**
